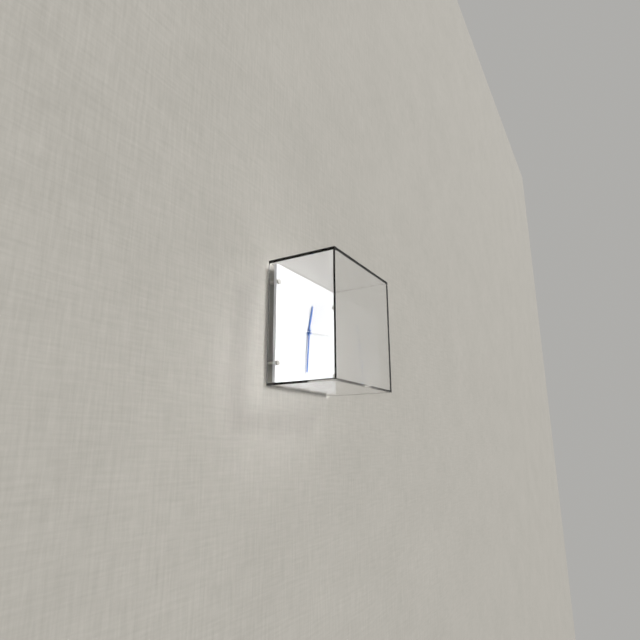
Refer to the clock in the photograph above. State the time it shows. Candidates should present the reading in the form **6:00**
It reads **12:31**
